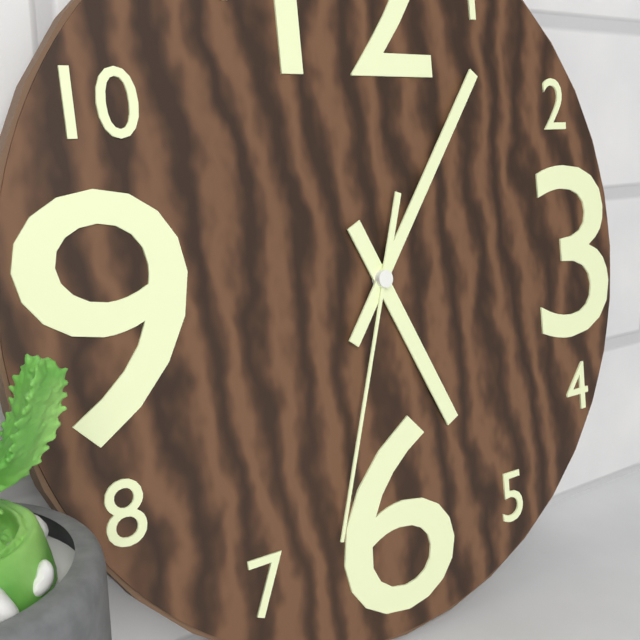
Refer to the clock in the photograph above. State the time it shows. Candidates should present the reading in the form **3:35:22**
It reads **5:06:33**
